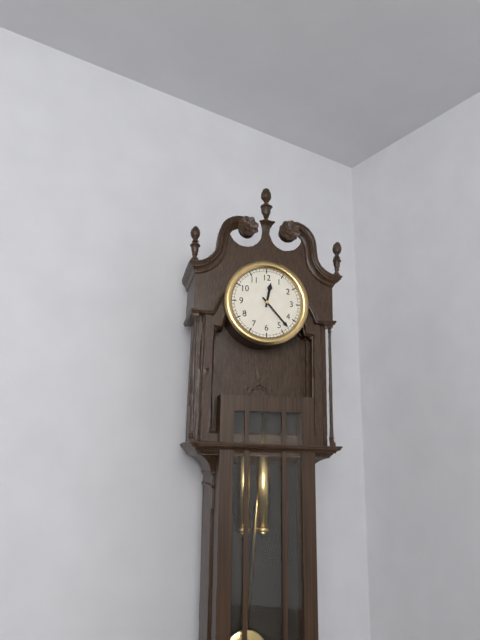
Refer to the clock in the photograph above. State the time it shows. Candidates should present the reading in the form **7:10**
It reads **12:23**
